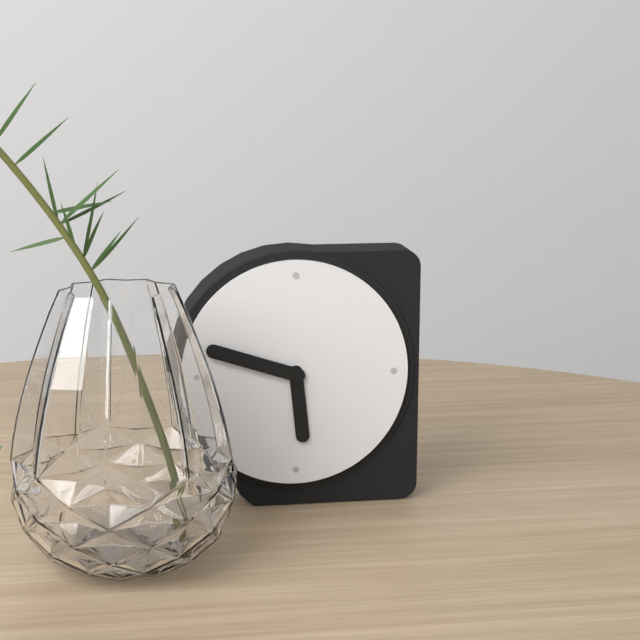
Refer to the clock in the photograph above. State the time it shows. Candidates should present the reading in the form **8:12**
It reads **5:48**
